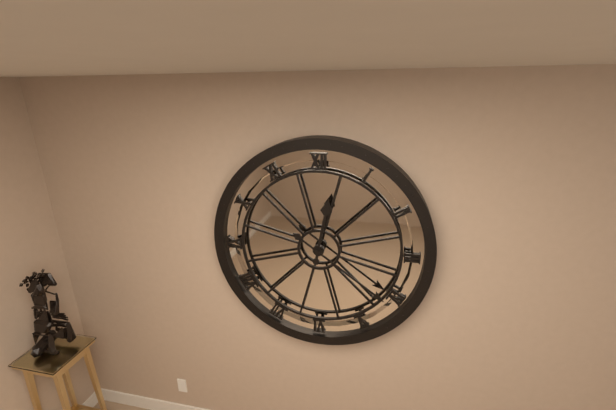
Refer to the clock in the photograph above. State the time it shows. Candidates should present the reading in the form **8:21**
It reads **12:21**
